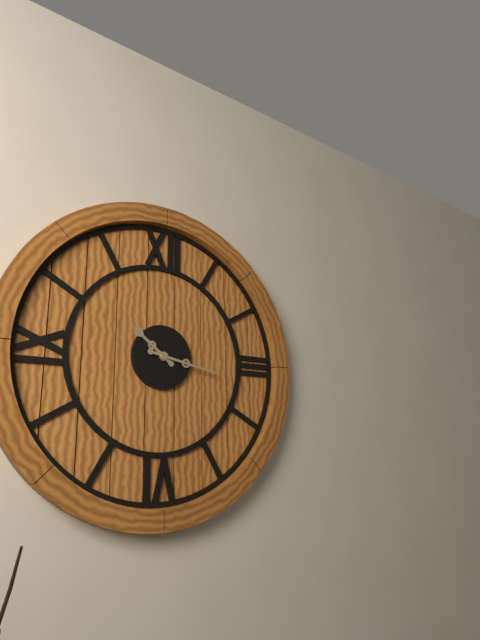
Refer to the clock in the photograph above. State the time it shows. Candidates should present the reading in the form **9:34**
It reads **10:17**
